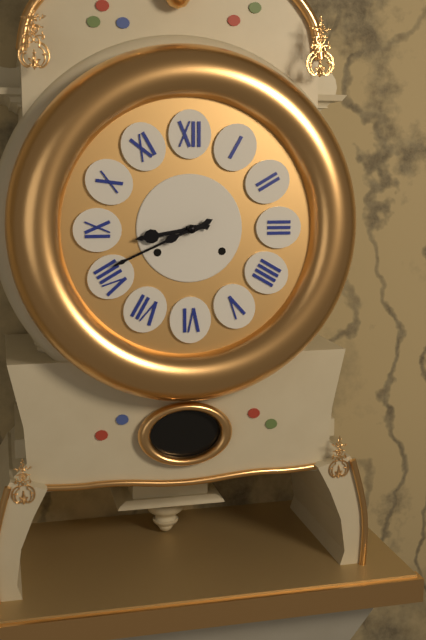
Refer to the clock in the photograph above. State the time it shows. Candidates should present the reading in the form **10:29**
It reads **8:41**
